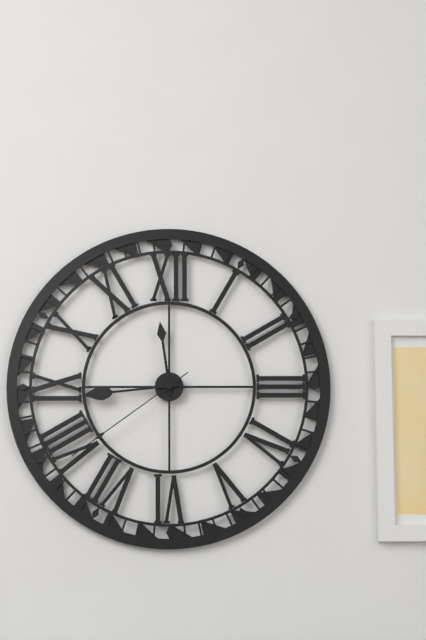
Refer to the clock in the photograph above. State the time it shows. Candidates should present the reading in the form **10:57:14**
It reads **11:44:39**
